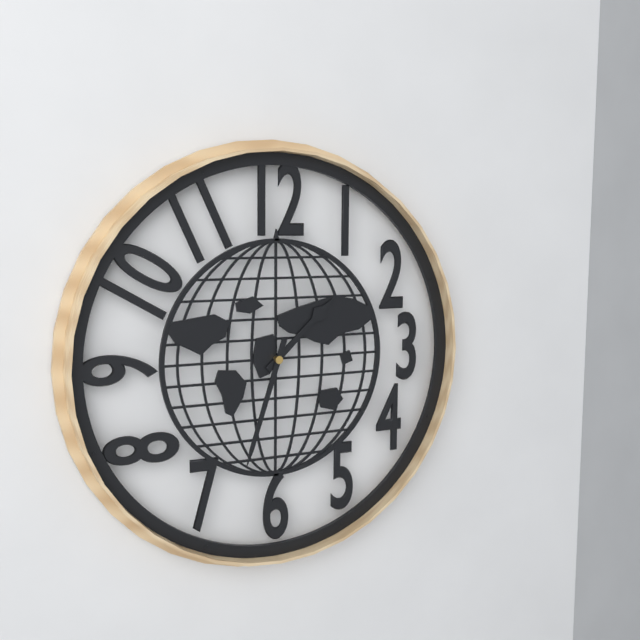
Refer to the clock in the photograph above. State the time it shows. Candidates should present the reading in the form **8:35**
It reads **1:33**
